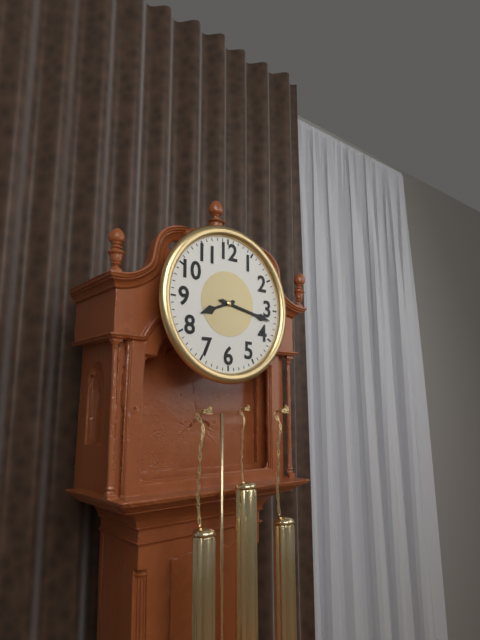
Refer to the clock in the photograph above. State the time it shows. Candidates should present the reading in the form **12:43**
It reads **8:17**
